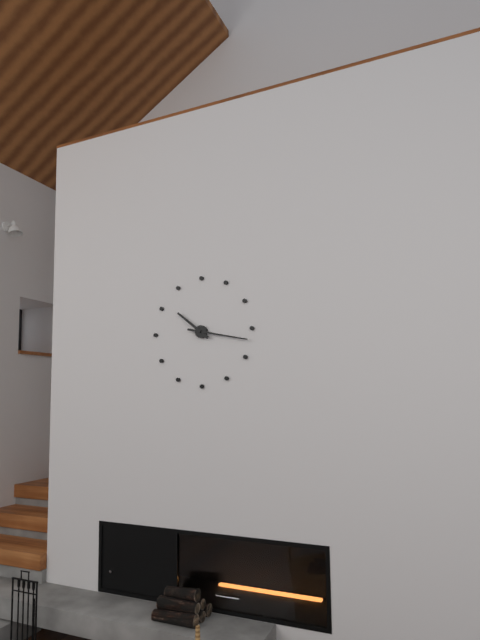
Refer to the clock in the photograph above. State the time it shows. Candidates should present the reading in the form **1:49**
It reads **10:17**
